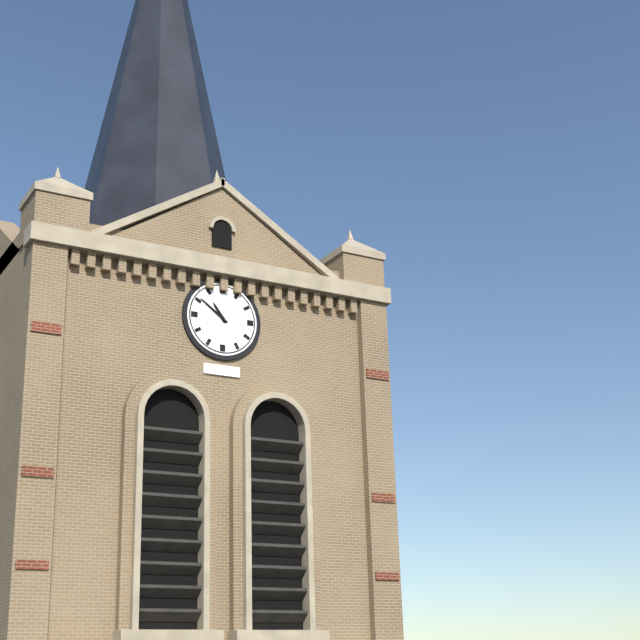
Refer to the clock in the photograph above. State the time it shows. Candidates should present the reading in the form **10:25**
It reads **10:51**
